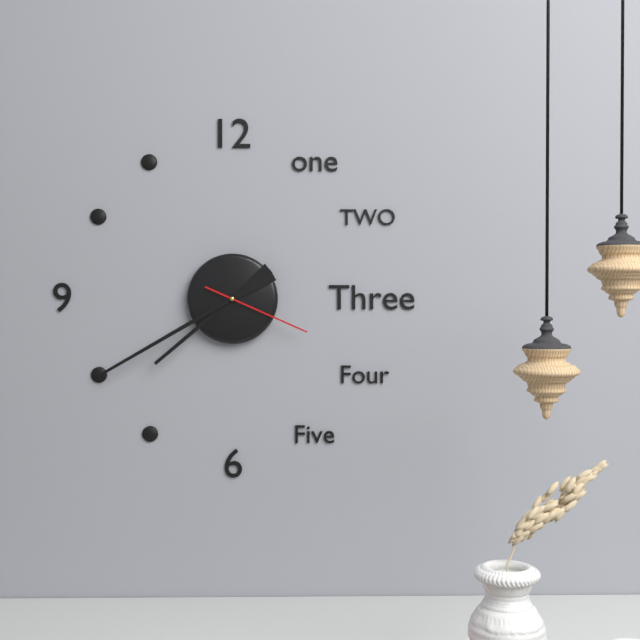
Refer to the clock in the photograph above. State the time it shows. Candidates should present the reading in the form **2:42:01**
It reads **7:40:19**
